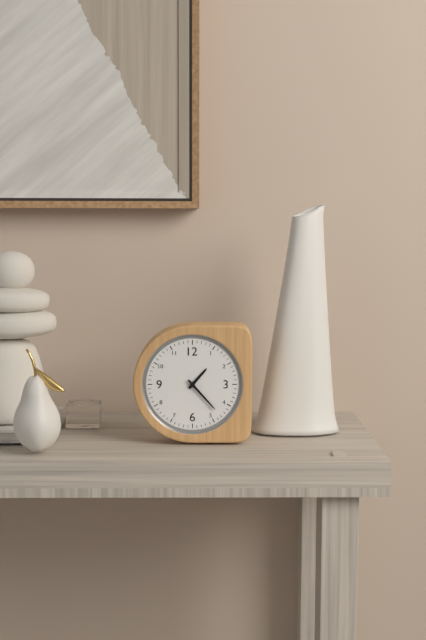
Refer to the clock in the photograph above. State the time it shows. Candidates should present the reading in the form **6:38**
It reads **1:23**
